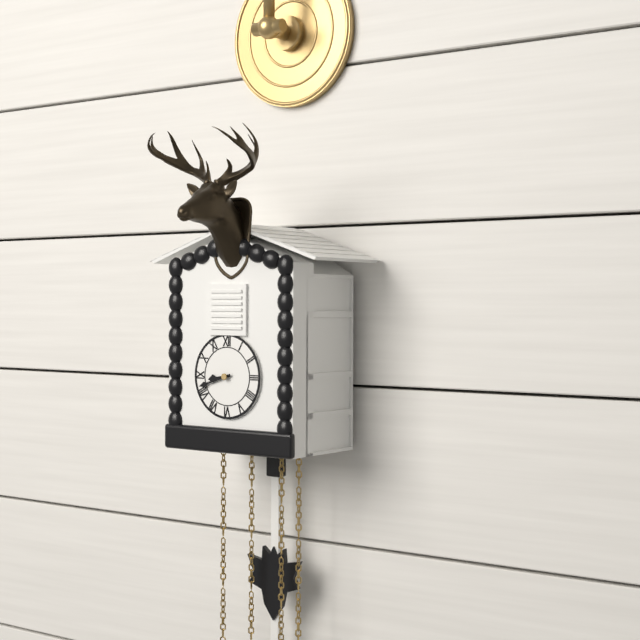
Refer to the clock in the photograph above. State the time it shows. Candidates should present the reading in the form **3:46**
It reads **8:42**
